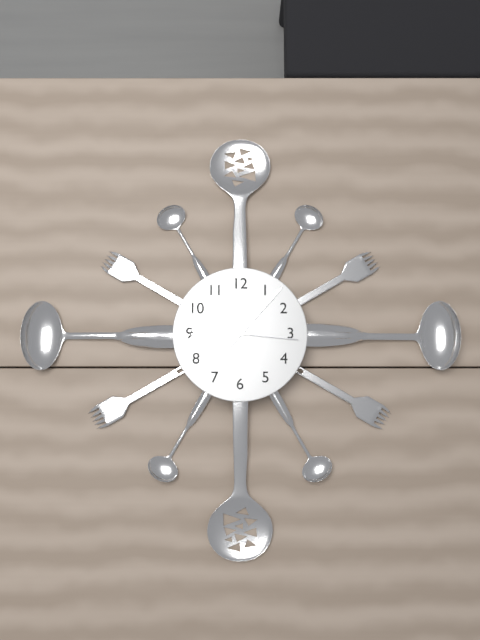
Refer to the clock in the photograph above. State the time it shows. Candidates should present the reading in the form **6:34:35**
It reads **9:07:16**
